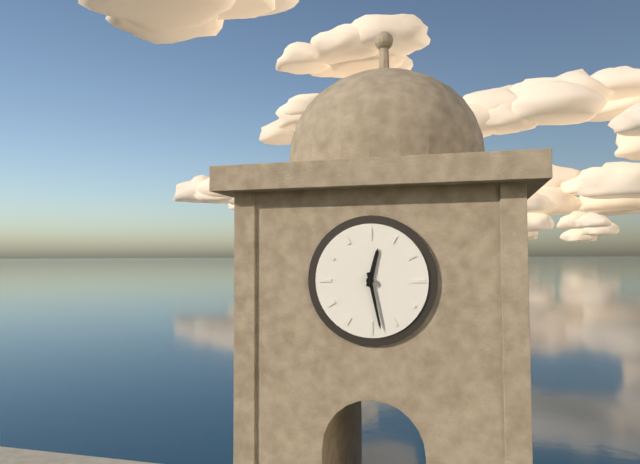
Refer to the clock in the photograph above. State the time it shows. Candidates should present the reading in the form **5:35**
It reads **12:28**
